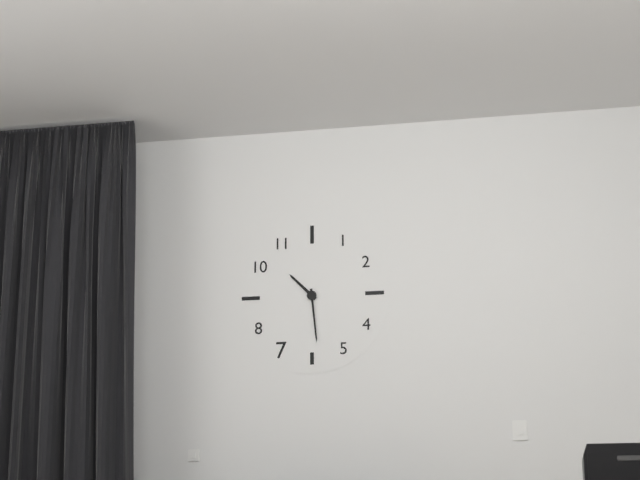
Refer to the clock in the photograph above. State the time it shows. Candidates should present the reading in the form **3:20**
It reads **10:29**
